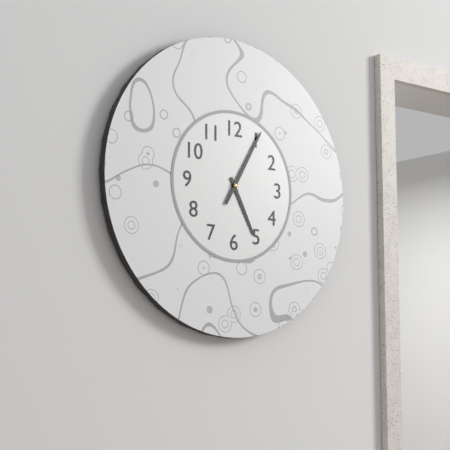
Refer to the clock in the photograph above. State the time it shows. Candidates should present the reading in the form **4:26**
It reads **5:05**
